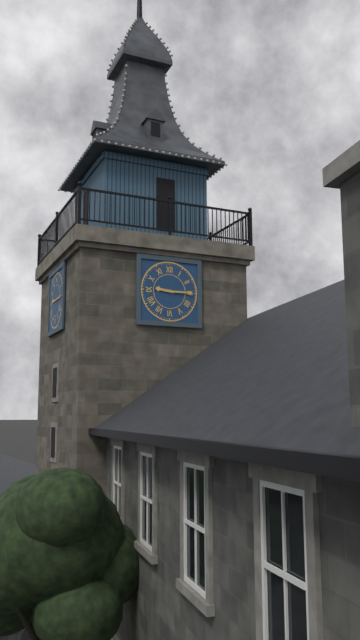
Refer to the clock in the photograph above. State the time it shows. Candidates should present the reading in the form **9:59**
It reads **9:15**
